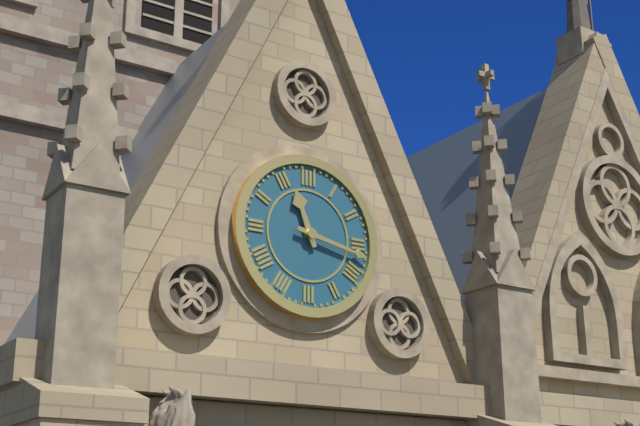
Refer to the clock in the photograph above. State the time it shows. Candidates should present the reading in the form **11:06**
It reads **11:17**
